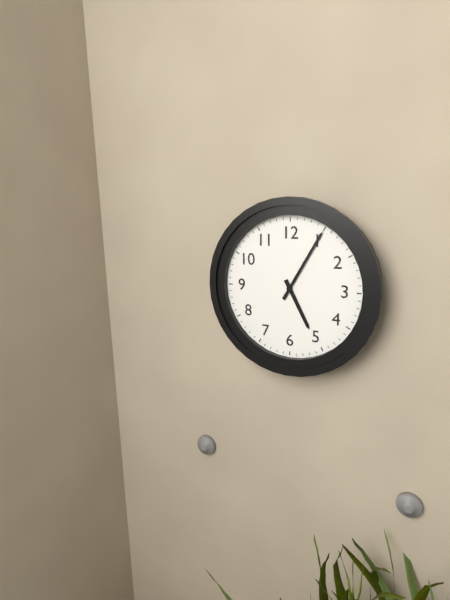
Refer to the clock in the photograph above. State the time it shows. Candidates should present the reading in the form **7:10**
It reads **5:05**
